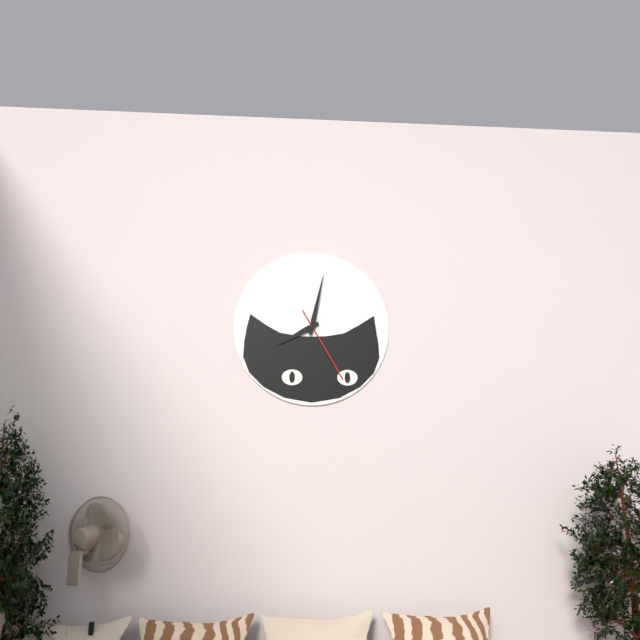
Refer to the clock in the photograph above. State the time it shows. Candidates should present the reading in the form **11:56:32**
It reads **8:02:25**
